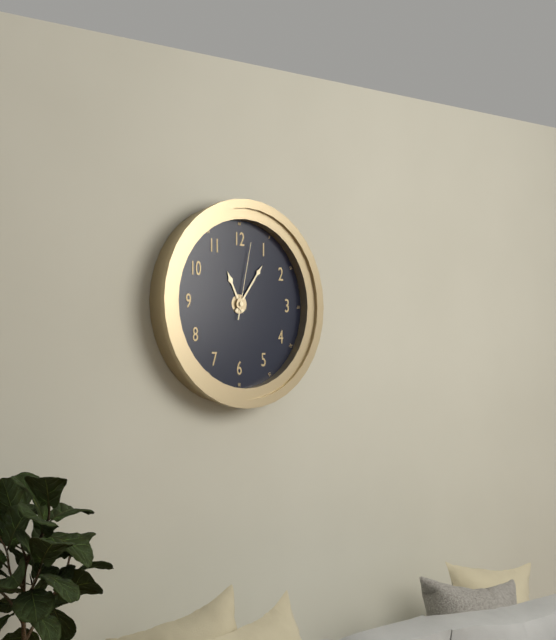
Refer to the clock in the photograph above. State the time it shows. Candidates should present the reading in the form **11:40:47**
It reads **11:06:02**
